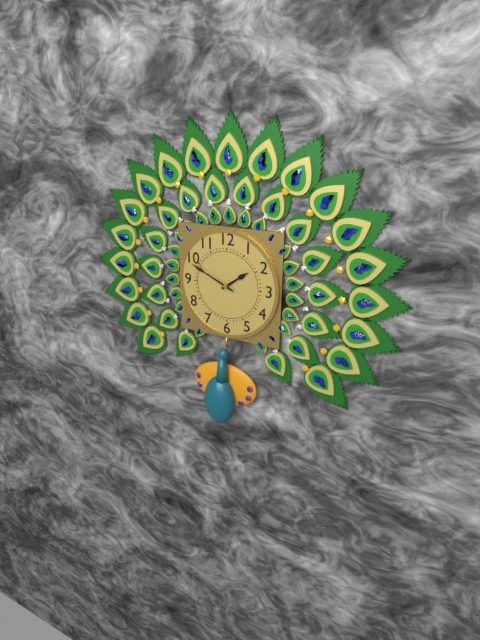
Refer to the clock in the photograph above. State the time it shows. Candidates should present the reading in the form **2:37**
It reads **1:49**
